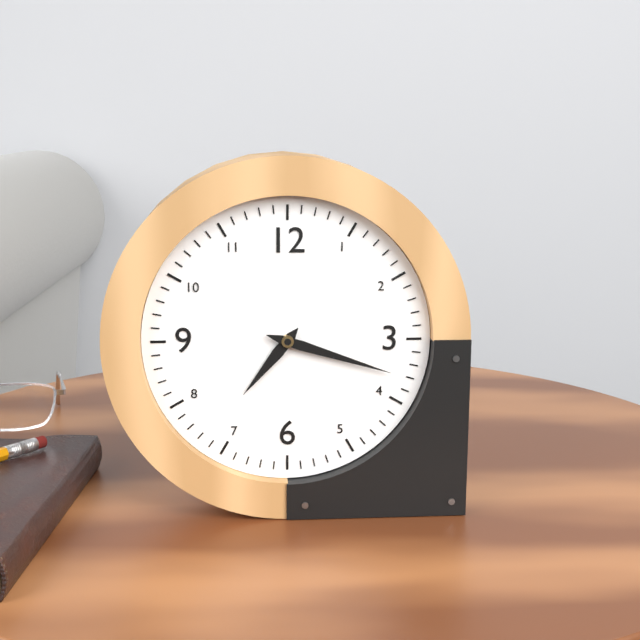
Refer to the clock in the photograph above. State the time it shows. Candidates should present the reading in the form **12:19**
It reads **7:18**
